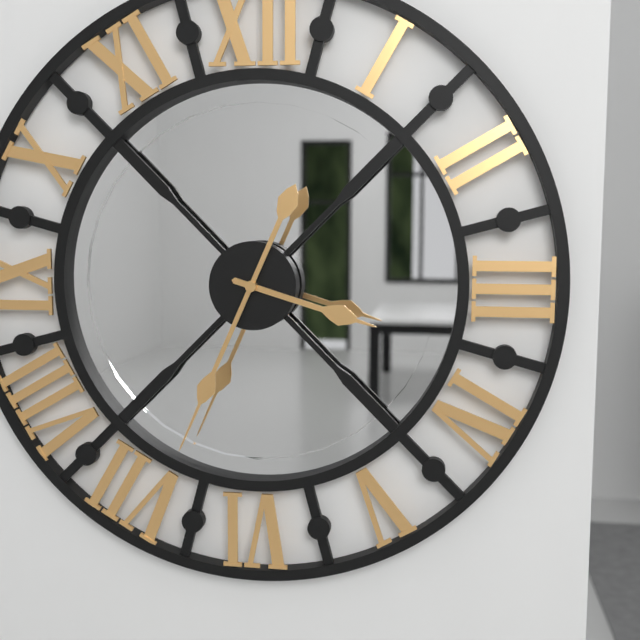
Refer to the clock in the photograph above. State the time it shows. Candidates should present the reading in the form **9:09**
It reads **3:34**
